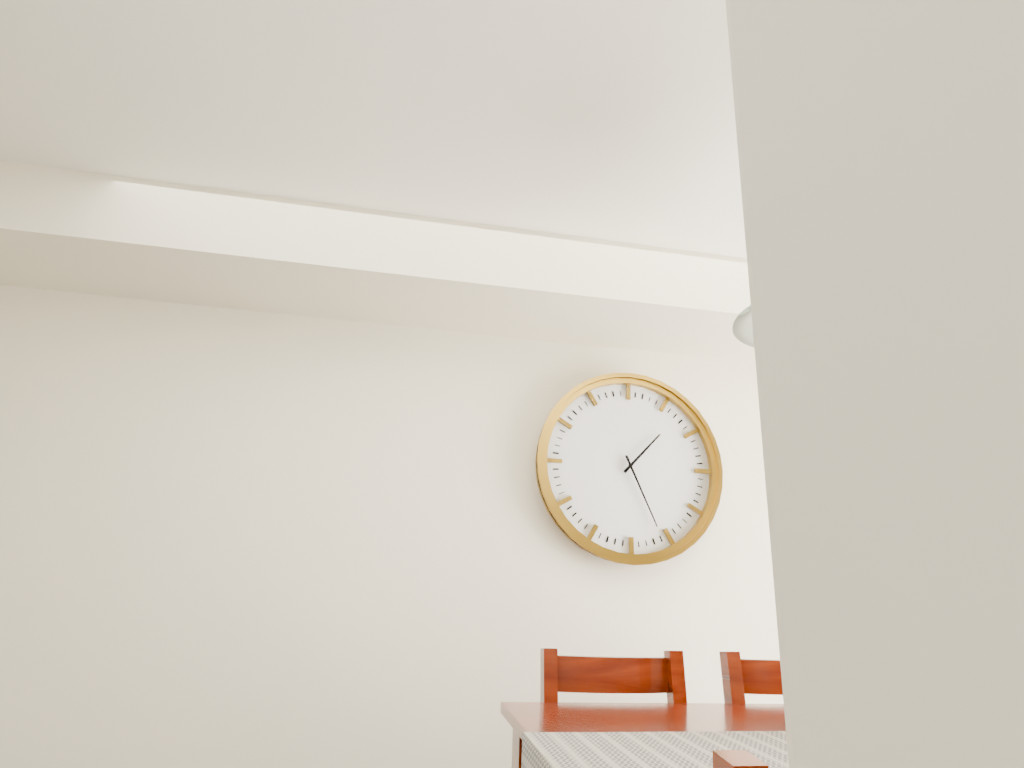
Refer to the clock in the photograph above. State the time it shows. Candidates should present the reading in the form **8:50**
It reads **1:26**
